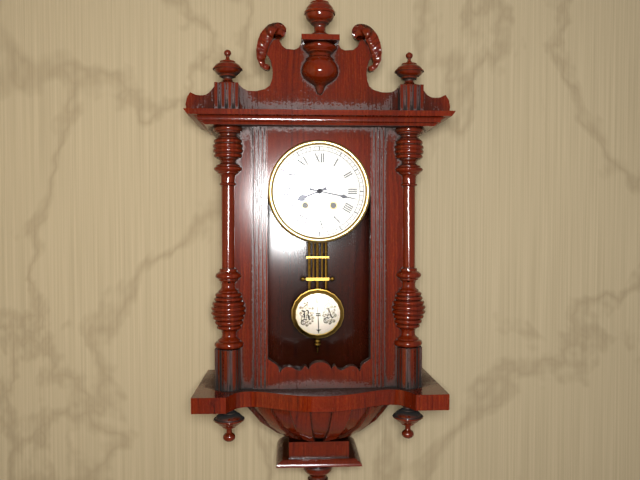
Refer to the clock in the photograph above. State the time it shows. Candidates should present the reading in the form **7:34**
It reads **8:17**
